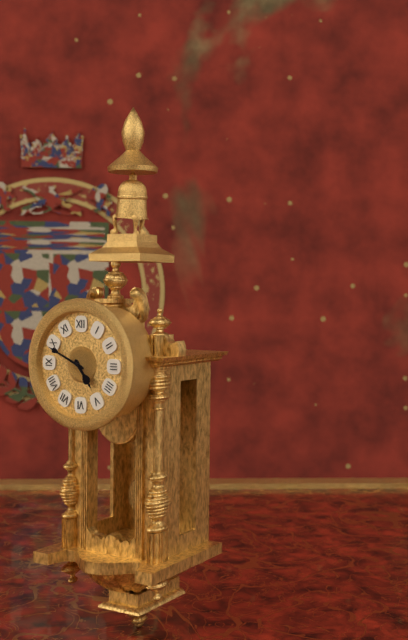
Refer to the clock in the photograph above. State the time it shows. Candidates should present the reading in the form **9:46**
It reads **4:49**
